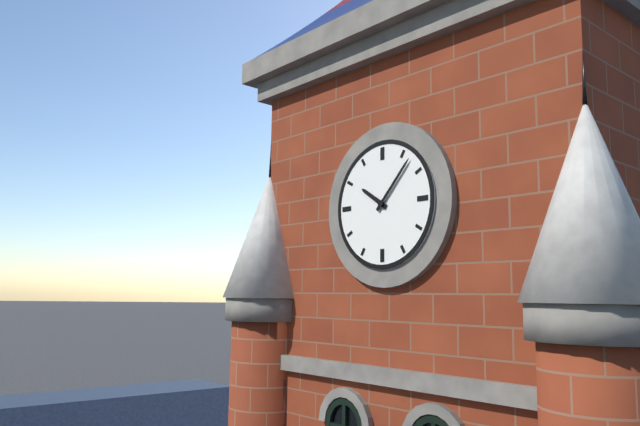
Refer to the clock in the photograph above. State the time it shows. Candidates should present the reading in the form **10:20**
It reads **10:07**
